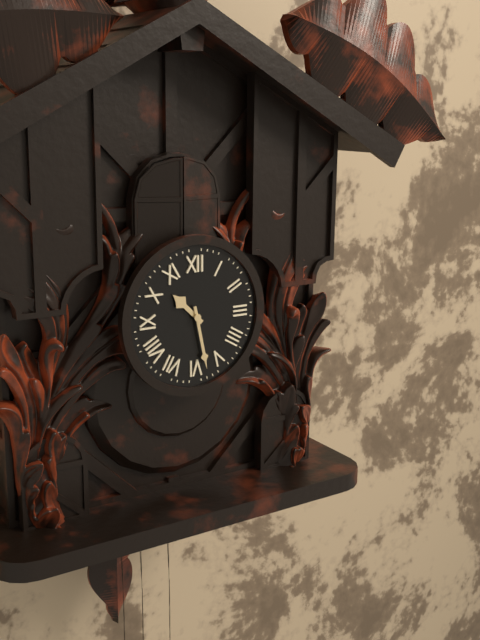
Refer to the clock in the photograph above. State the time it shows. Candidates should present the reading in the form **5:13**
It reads **10:28**
